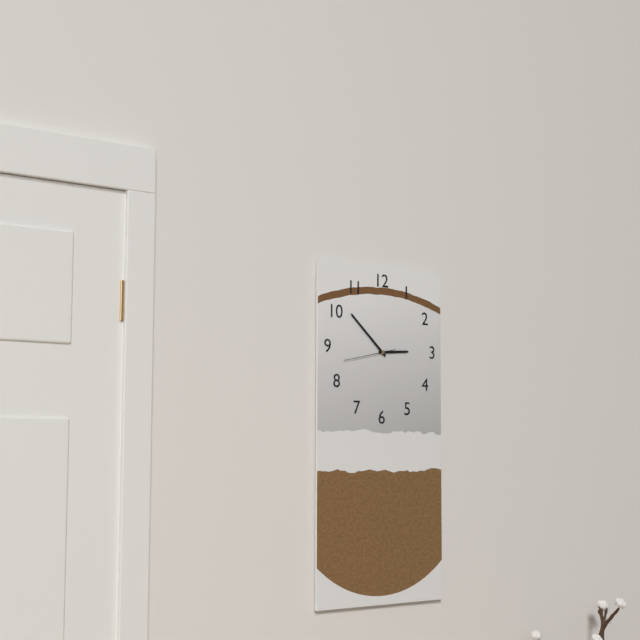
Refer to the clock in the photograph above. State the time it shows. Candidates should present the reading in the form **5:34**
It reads **2:52**
